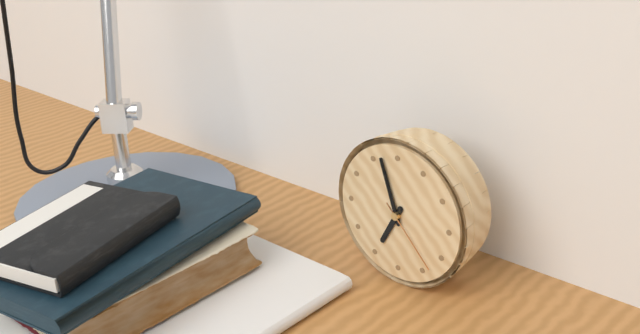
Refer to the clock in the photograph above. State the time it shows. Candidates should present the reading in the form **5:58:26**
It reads **6:57:23**
